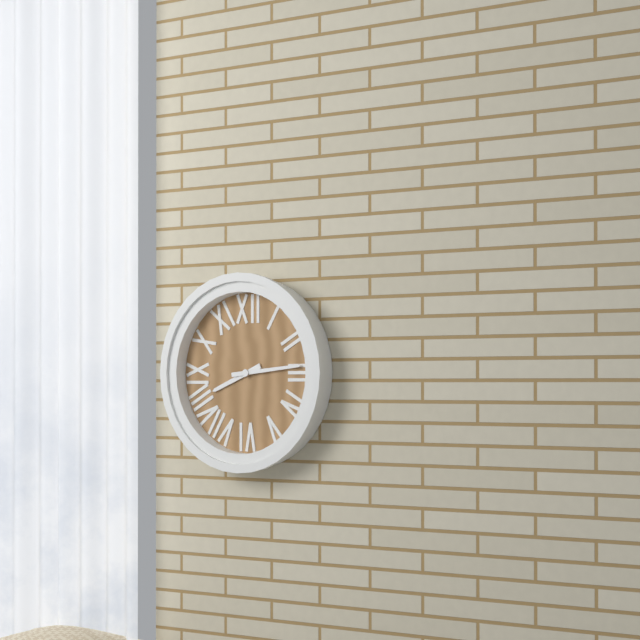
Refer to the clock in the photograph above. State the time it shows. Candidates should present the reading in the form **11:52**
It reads **8:14**
